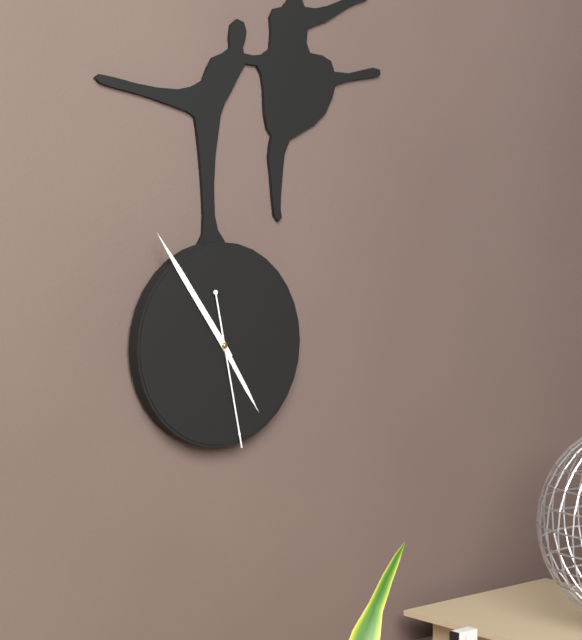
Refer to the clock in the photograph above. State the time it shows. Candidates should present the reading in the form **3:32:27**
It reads **4:54:28**
